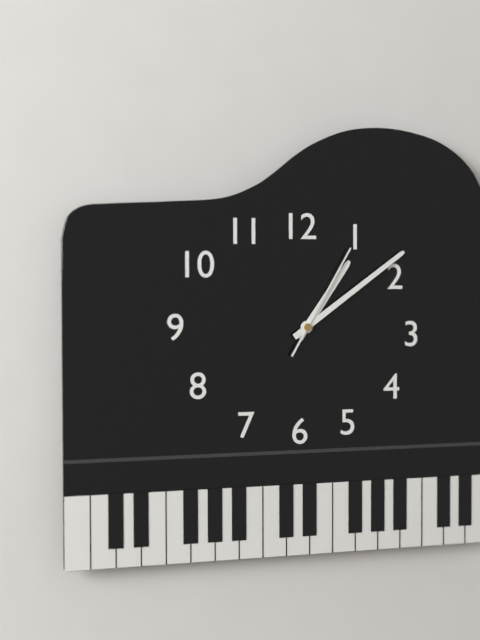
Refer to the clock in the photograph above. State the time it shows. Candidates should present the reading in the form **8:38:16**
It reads **1:09:05**
